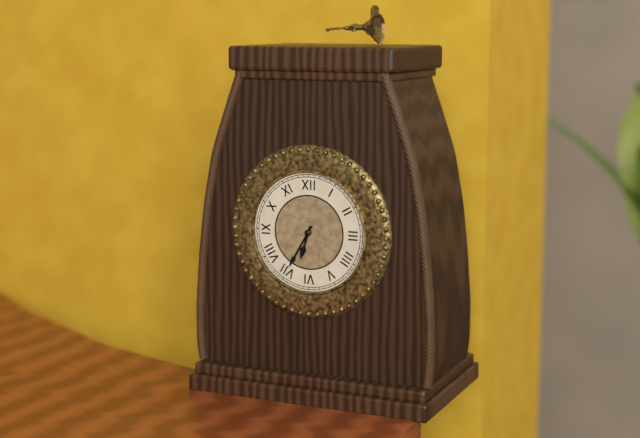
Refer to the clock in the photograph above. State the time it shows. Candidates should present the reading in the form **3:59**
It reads **6:35**
